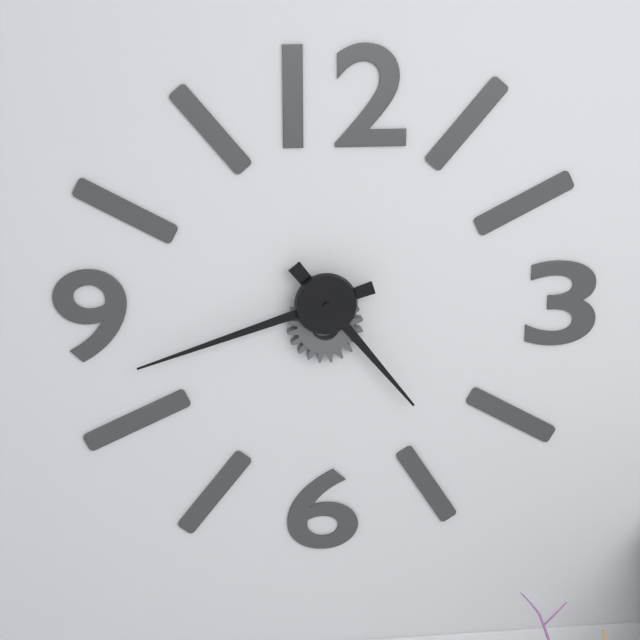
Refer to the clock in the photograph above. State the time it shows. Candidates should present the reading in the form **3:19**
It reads **4:42**
